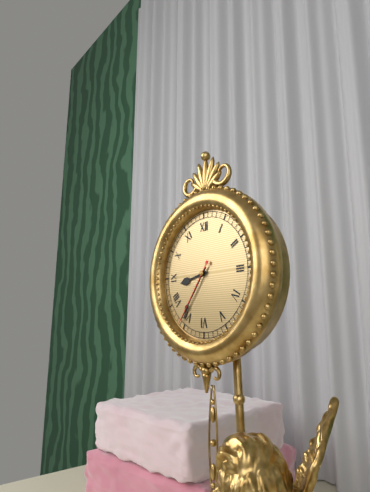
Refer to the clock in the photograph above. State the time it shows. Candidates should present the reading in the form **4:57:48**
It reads **8:36:36**
